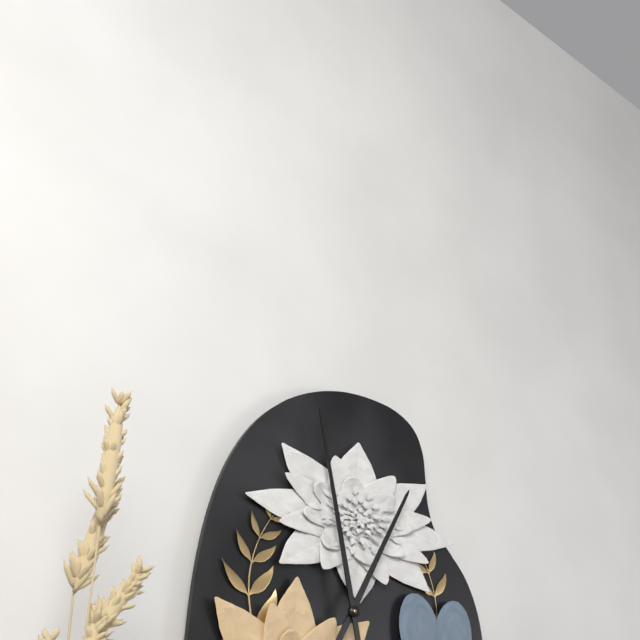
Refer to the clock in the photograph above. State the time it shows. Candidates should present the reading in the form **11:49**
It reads **12:58**
